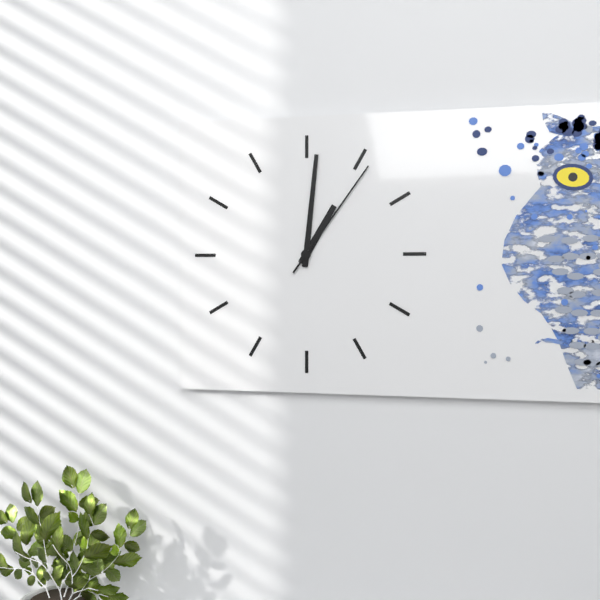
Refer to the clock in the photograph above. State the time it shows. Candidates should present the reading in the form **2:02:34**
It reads **1:01:06**
